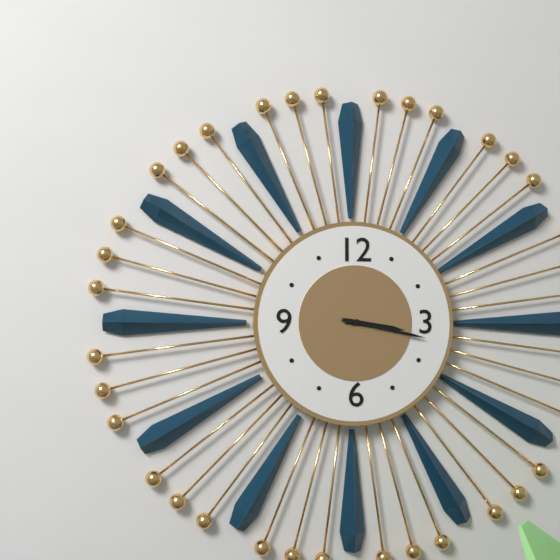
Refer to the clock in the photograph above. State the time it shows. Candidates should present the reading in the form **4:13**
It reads **3:17**
